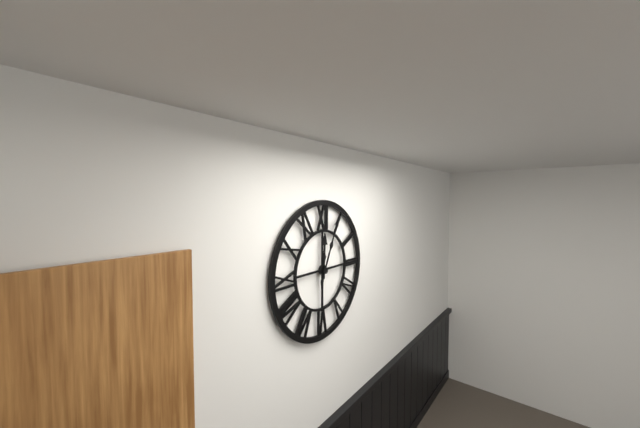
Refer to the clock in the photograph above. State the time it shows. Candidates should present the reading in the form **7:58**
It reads **12:04**
